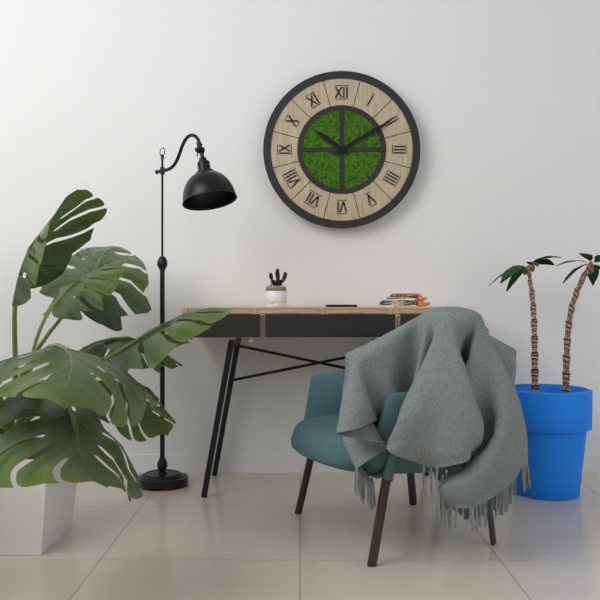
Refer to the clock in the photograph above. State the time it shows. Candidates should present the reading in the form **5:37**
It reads **10:10**
